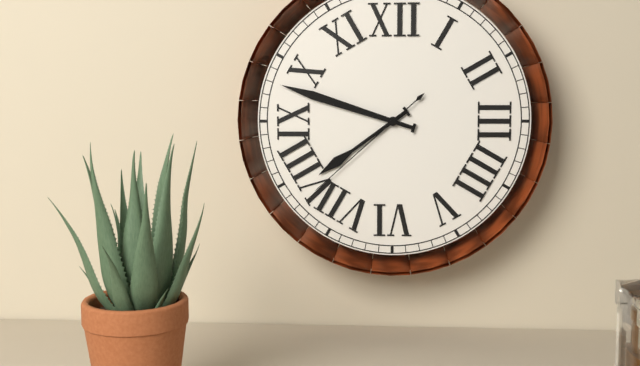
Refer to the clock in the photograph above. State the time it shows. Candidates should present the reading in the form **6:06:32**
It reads **7:48:38**
